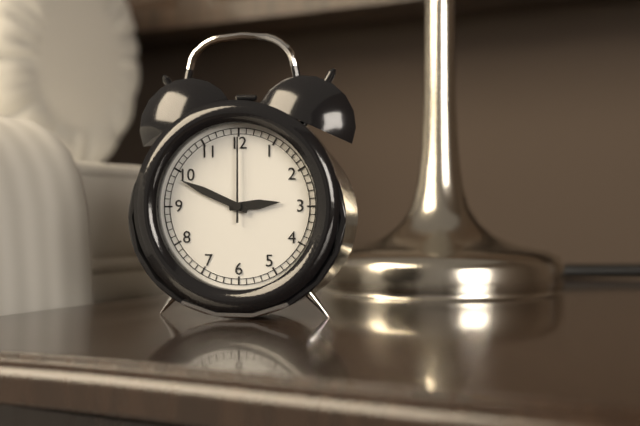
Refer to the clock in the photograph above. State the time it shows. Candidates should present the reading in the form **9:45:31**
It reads **2:49:00**
